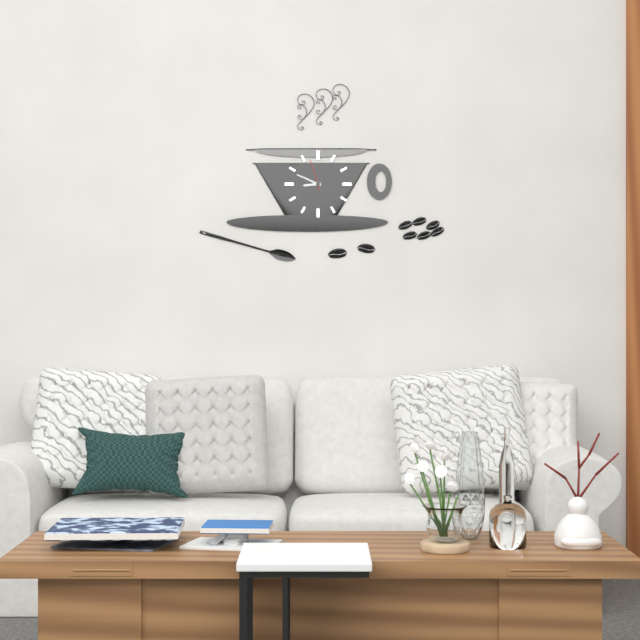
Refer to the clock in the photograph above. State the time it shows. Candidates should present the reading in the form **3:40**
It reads **8:49**
